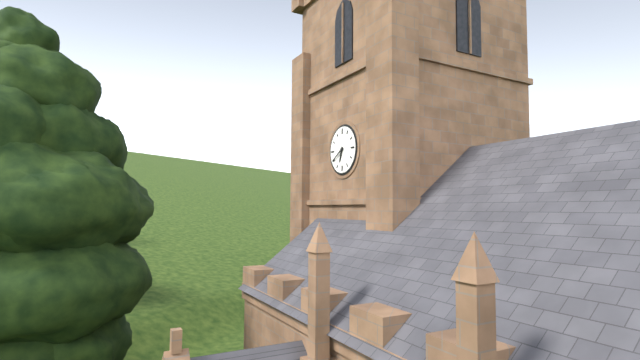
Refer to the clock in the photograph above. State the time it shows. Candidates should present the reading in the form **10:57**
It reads **6:40**
